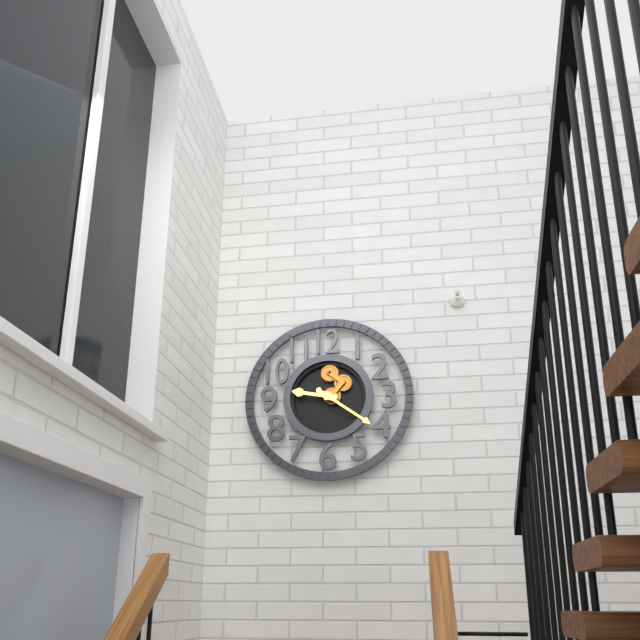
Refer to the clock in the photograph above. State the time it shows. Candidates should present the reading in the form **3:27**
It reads **9:21**
